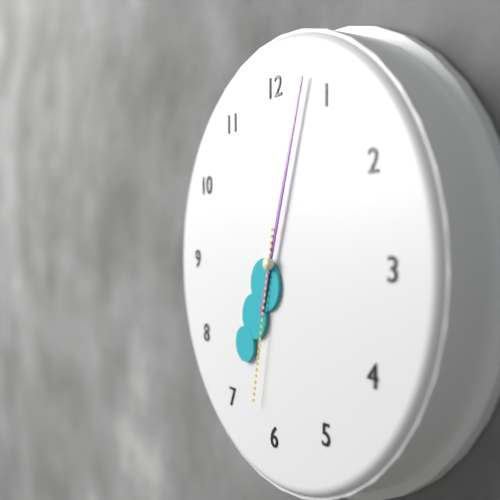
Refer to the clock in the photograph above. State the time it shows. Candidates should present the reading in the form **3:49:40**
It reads **7:03:32**
